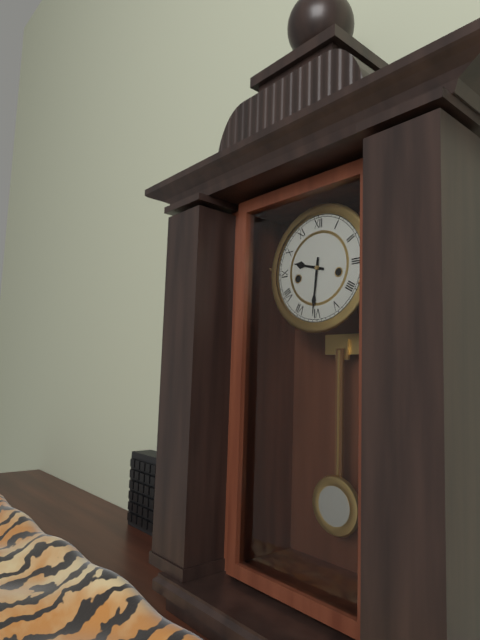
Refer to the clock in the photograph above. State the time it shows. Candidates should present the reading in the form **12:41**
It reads **9:31**
